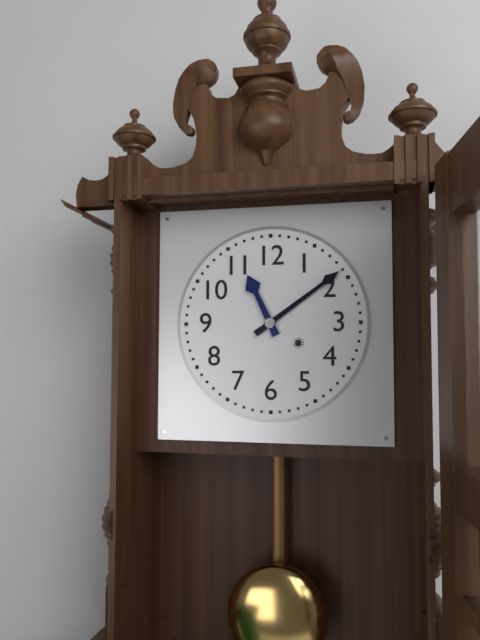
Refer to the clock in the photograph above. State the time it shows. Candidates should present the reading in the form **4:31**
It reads **11:09**
